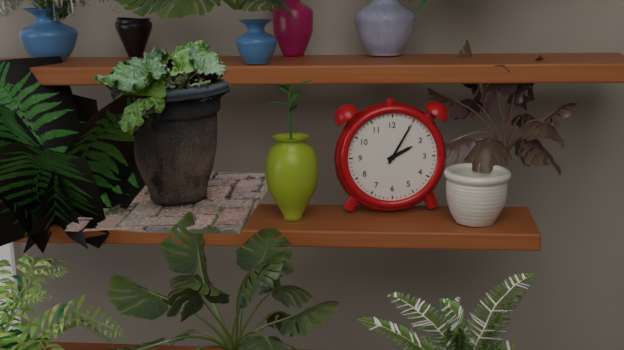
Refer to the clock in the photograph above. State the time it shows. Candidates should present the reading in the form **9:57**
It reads **2:05**
